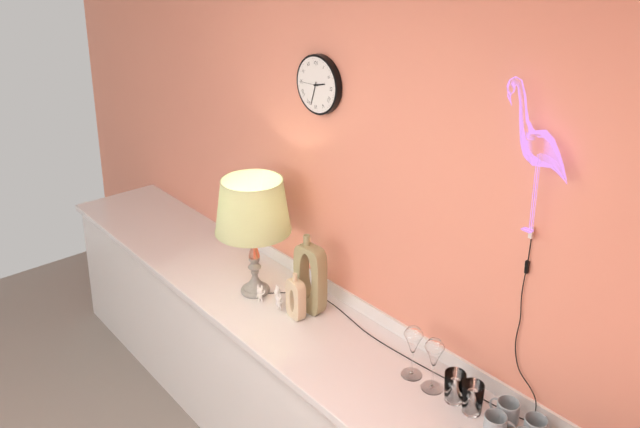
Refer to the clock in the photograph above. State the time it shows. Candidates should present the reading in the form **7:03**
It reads **2:33**
